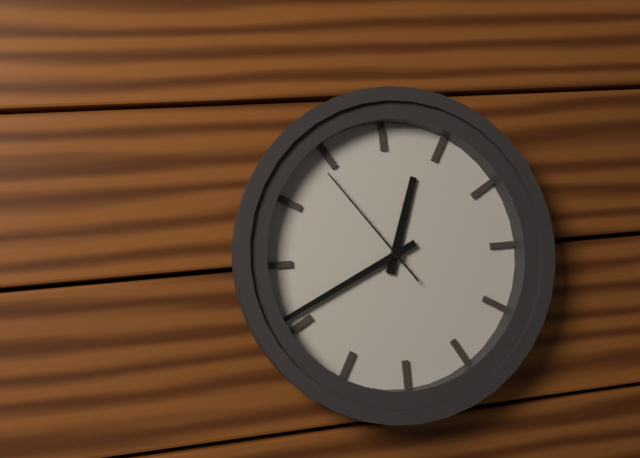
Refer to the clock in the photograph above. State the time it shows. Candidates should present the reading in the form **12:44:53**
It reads **12:41:54**
